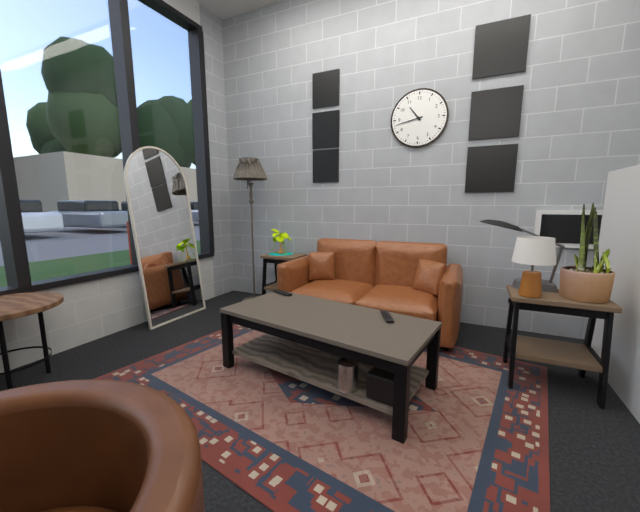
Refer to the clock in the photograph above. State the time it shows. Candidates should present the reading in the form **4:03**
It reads **10:43**
